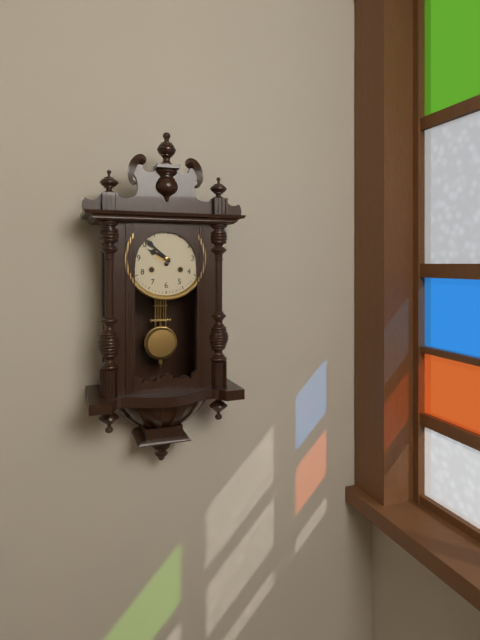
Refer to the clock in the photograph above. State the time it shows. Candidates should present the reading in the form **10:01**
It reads **9:52**
